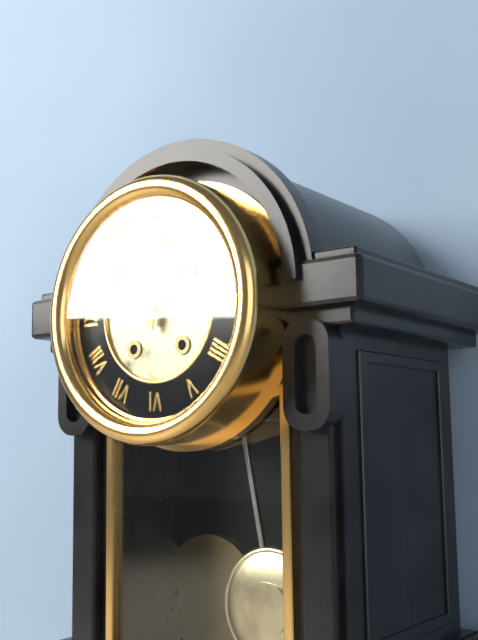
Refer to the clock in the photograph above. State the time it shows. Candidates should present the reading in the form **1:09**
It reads **1:01**
